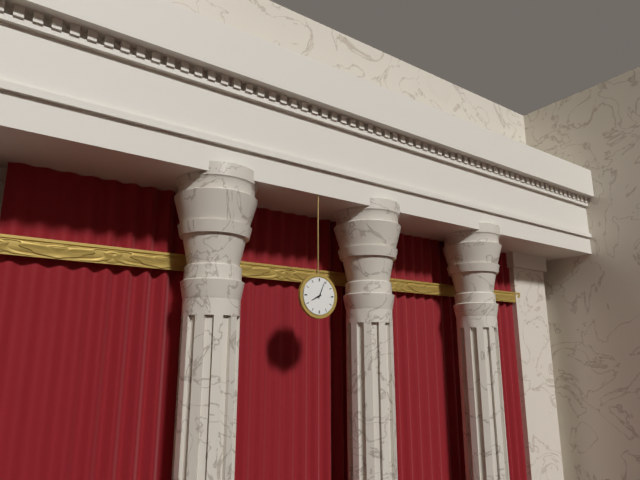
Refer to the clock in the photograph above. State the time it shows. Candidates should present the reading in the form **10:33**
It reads **8:04**
